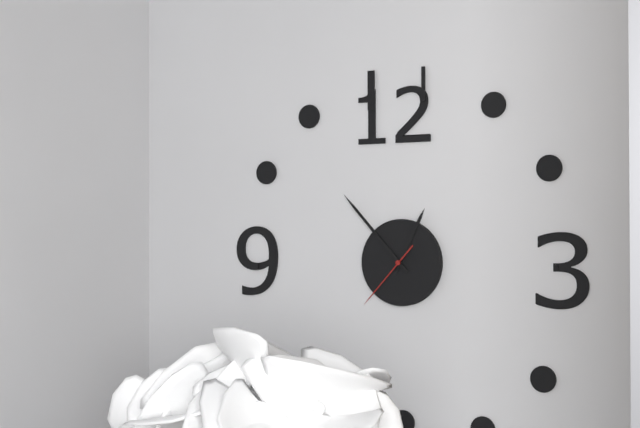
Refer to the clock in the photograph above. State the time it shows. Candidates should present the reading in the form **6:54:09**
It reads **12:53:37**
